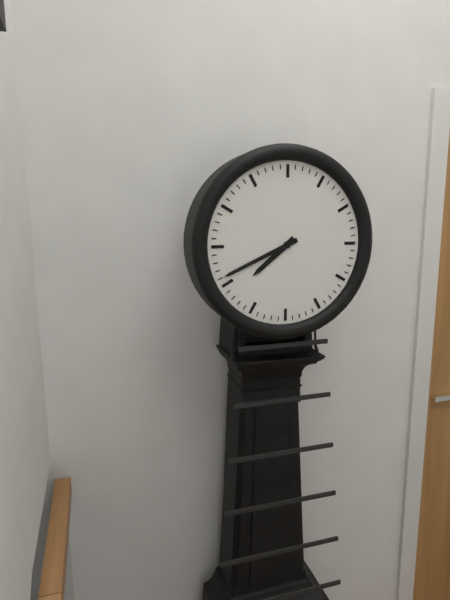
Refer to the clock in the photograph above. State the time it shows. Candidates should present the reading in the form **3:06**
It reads **7:41**
